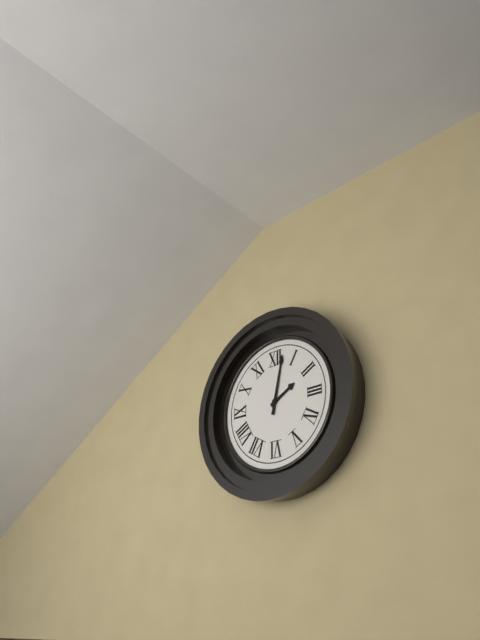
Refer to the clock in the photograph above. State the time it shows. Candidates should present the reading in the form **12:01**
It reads **2:02**
